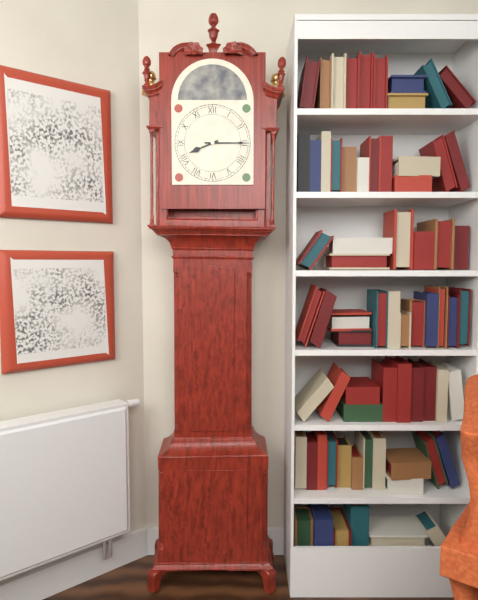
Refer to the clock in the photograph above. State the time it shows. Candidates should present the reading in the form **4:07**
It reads **8:15**
